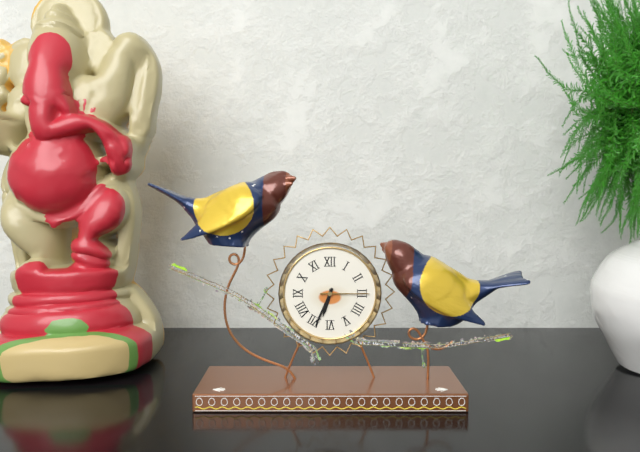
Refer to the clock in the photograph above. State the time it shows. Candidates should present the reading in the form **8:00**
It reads **6:34**
